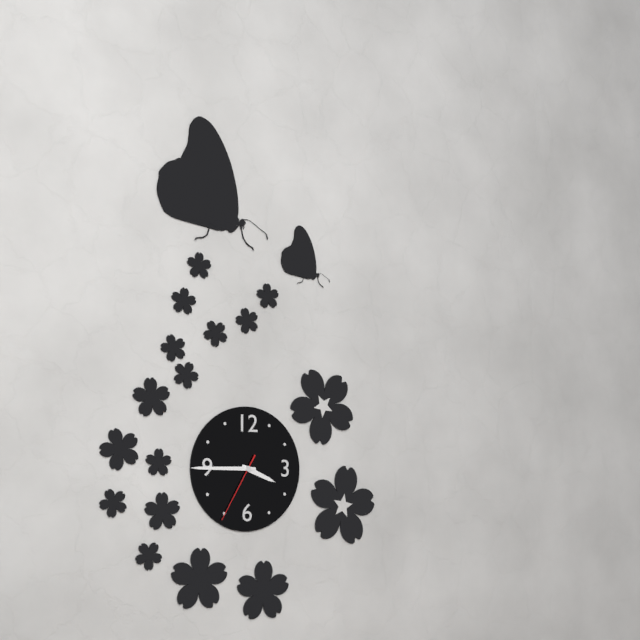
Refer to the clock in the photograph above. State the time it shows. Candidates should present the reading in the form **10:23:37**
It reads **3:45:35**
